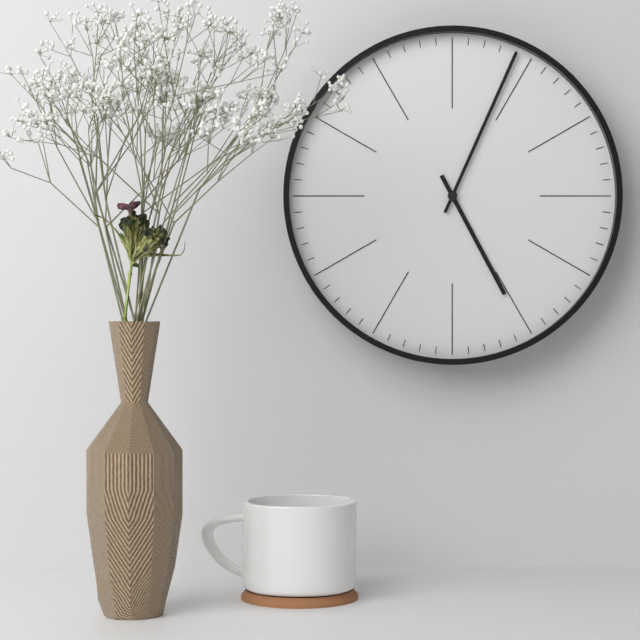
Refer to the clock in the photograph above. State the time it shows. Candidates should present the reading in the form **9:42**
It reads **5:04**
